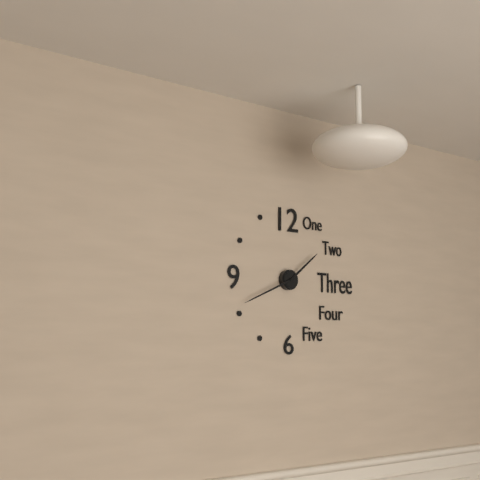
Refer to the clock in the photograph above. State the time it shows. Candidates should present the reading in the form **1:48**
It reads **1:41**
